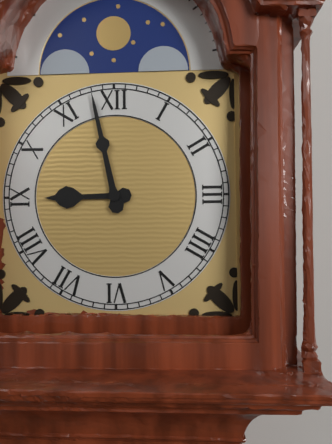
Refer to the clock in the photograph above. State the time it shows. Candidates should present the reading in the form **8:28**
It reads **8:58**
